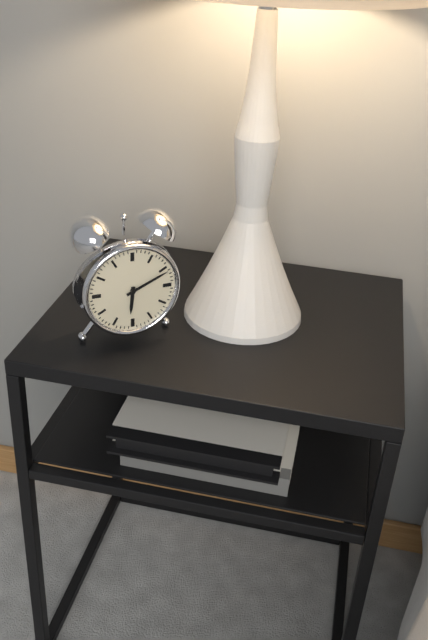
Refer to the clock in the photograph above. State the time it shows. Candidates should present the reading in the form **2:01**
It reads **6:11**
